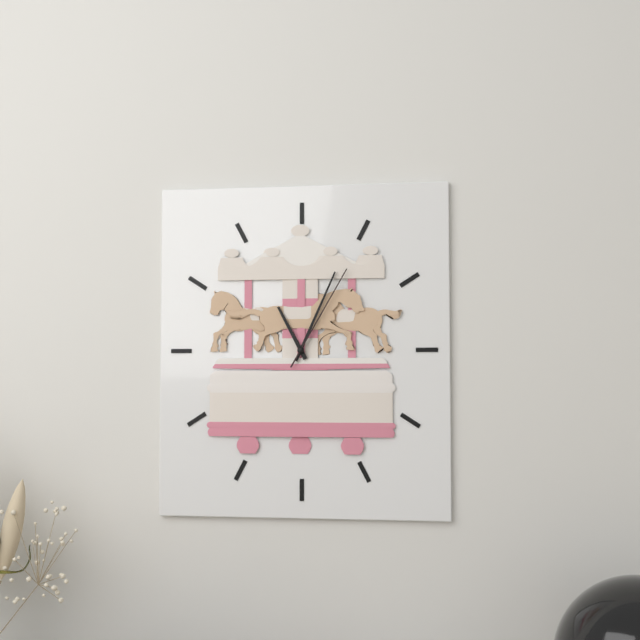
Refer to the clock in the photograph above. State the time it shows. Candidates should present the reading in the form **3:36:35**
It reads **11:04:05**
